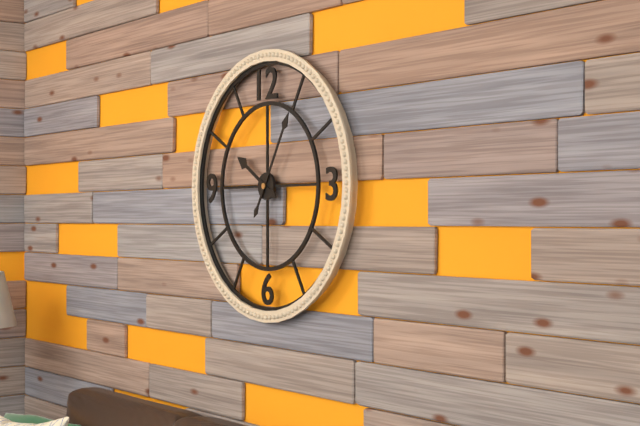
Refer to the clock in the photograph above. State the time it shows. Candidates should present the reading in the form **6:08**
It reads **10:05**
